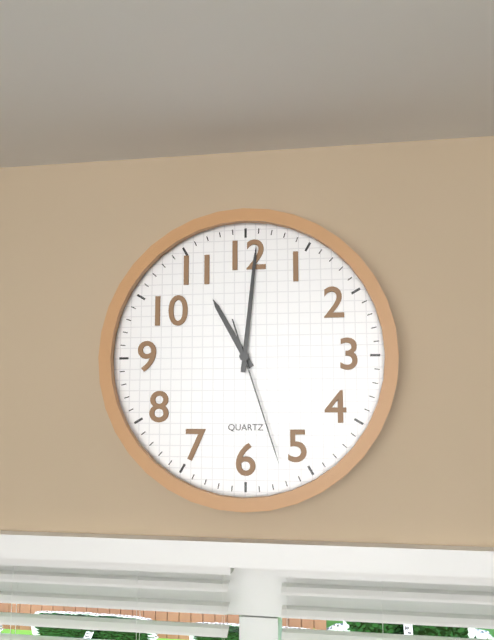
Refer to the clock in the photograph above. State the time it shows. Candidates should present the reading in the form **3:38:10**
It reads **11:01:27**
